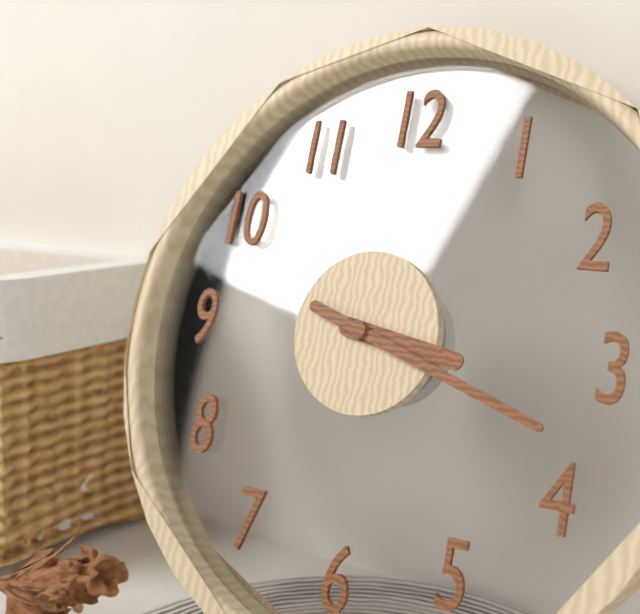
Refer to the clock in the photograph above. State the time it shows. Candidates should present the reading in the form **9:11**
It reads **3:18**
